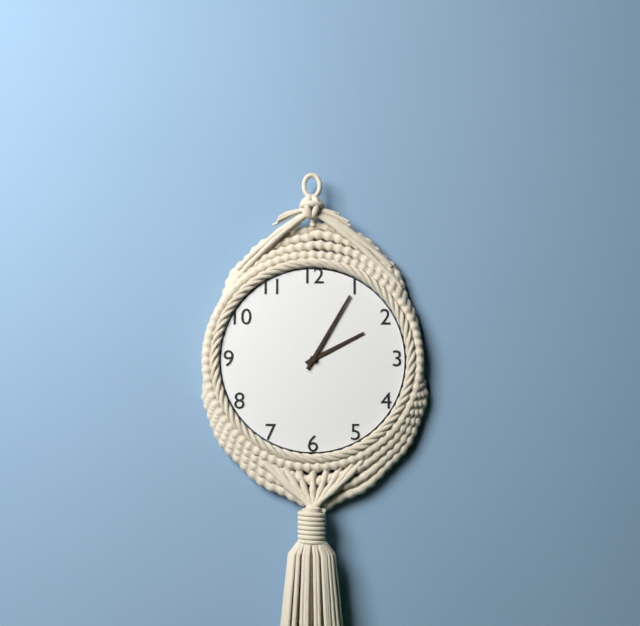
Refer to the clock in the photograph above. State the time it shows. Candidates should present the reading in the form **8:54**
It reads **2:05**
